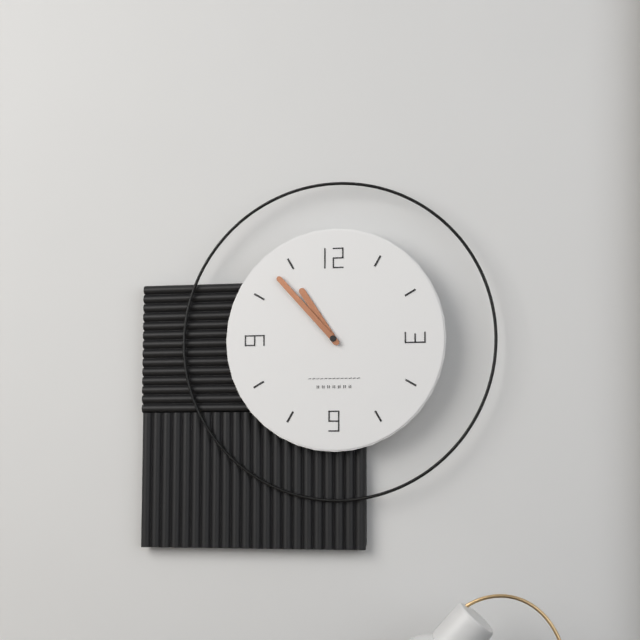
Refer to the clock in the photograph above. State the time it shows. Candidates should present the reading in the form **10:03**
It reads **10:53**
